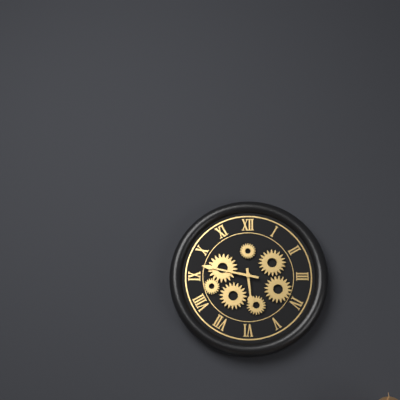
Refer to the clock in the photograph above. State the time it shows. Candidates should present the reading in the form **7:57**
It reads **5:47**
